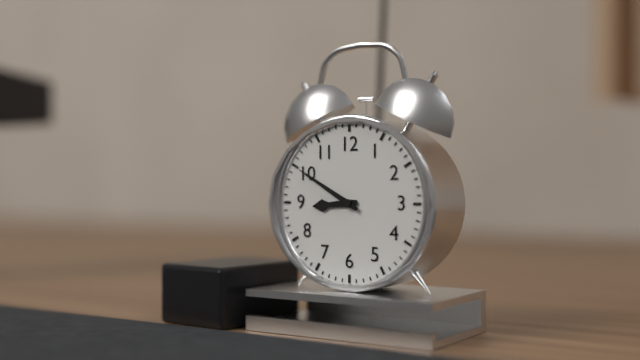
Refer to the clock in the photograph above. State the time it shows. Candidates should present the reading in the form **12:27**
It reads **8:50**
